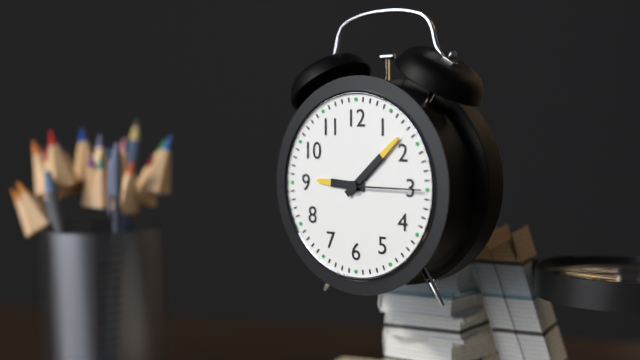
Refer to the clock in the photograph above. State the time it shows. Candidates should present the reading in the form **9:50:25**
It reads **9:08:15**
